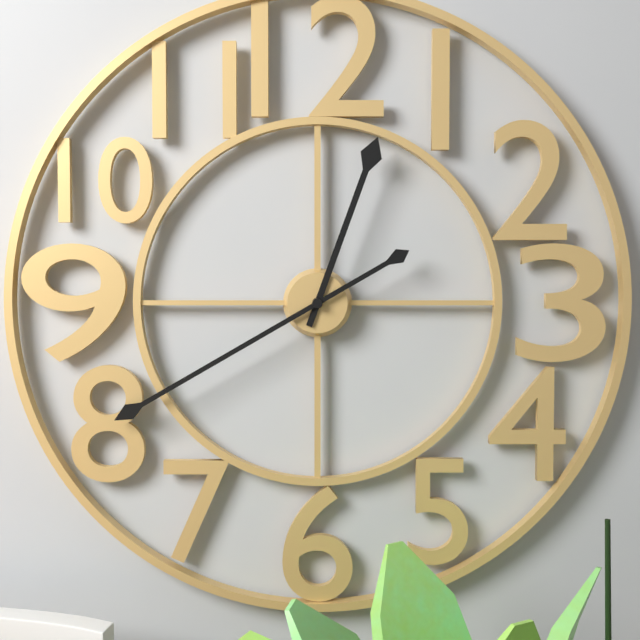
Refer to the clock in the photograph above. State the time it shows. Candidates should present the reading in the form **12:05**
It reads **12:40**
